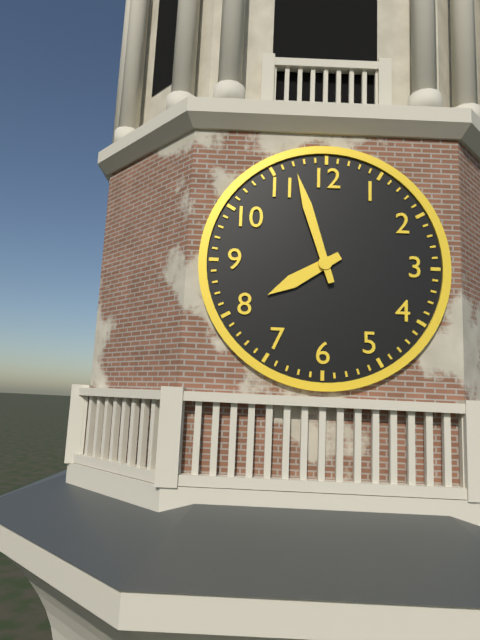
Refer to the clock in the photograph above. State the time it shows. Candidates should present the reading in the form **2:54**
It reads **7:57**
